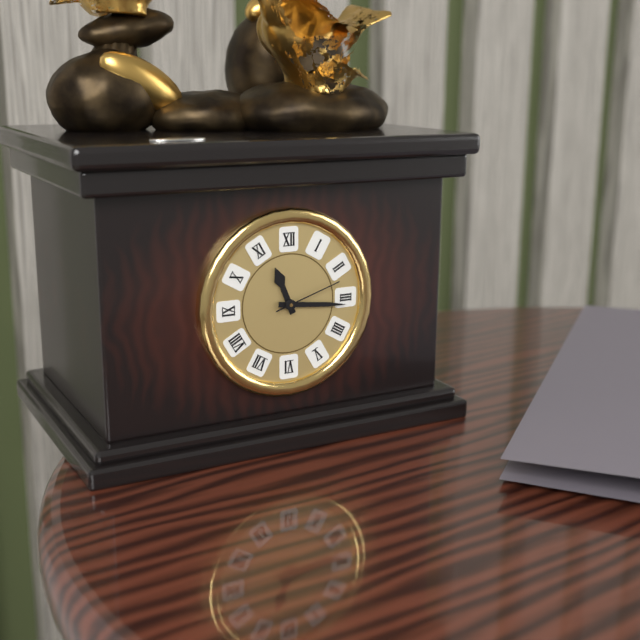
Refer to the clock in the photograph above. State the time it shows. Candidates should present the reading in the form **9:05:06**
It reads **11:16:12**
